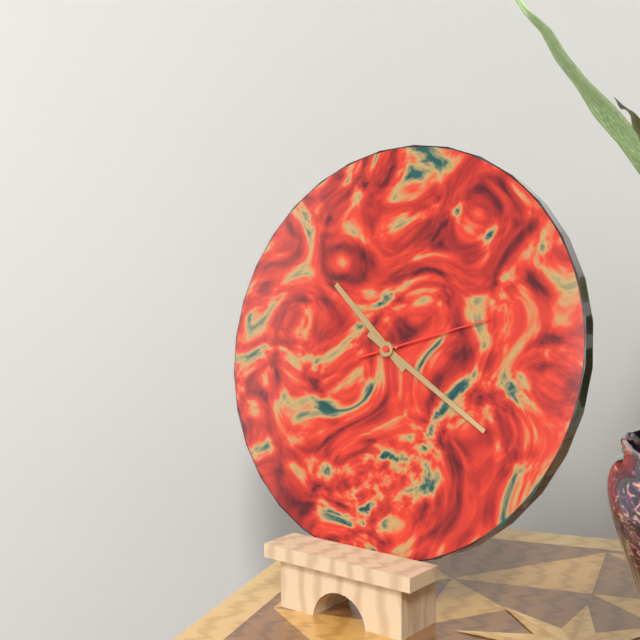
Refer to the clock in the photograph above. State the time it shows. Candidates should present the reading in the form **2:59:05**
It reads **10:20:12**
